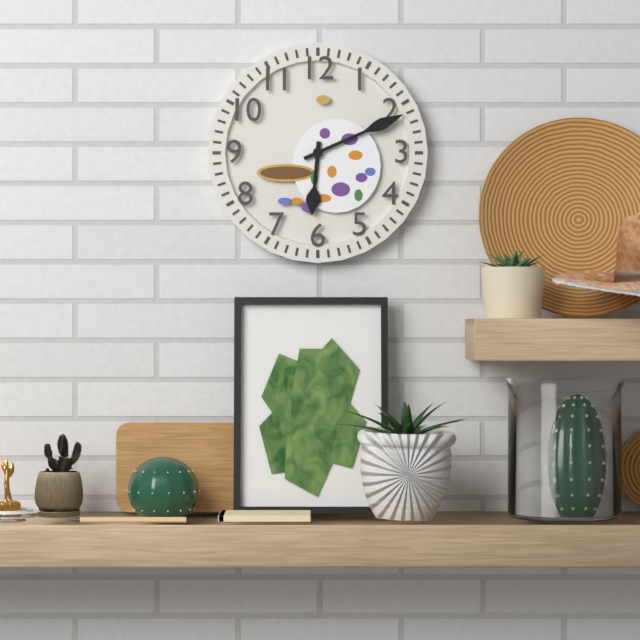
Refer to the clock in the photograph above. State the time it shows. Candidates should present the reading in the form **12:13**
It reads **6:11**
